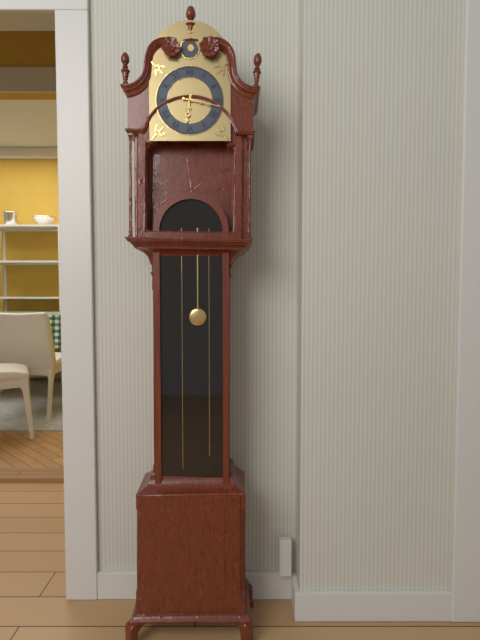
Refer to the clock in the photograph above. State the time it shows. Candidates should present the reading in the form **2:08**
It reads **6:17**
